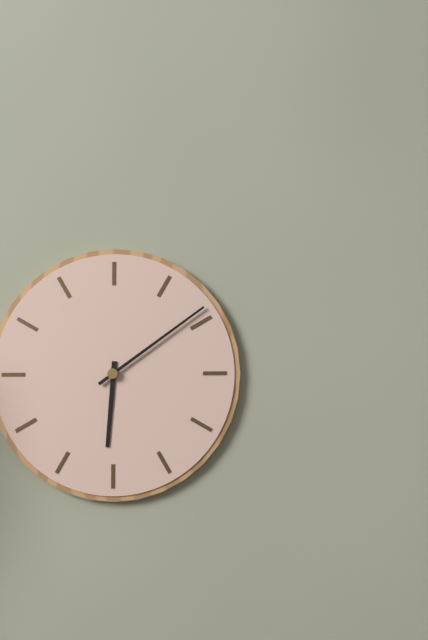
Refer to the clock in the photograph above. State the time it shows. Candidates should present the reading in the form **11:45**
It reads **6:09**
